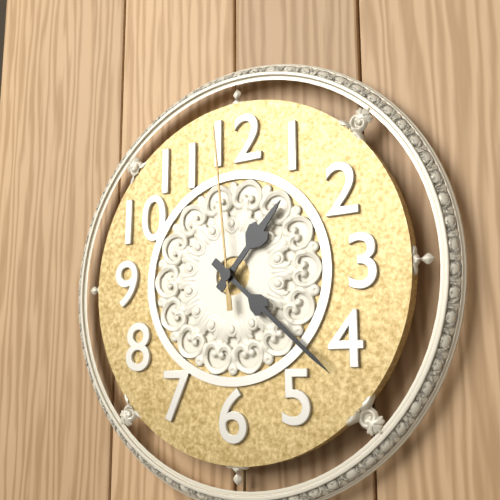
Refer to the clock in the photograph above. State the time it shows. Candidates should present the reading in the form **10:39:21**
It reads **1:22:59**
